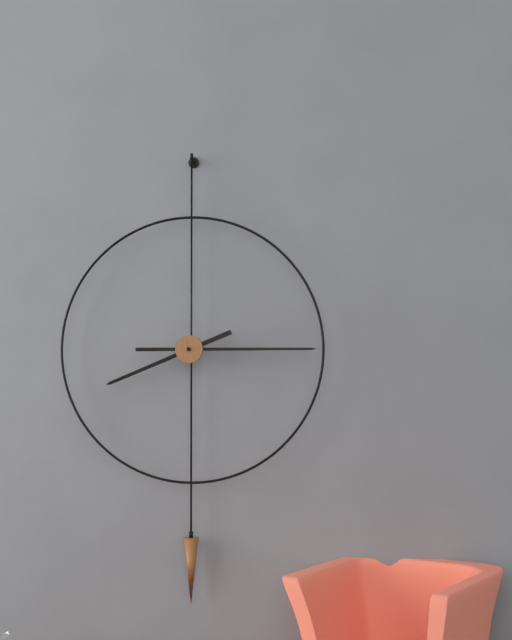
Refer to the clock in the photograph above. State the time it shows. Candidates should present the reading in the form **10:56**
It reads **8:15**
